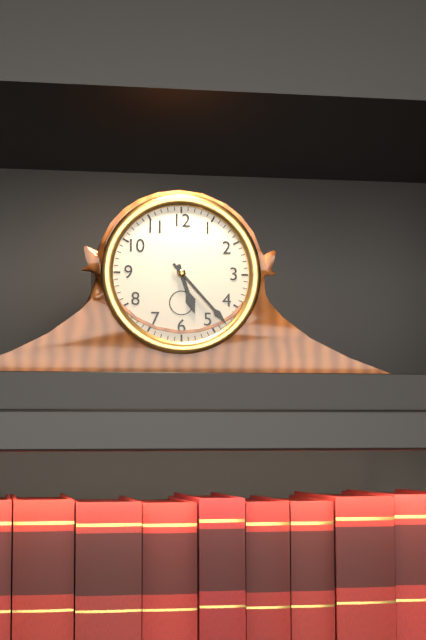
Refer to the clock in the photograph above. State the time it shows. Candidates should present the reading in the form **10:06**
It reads **5:23**
